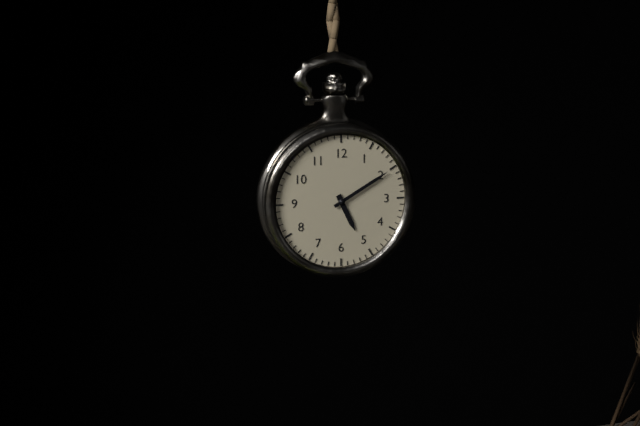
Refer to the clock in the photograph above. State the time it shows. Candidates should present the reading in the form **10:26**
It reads **5:10**
